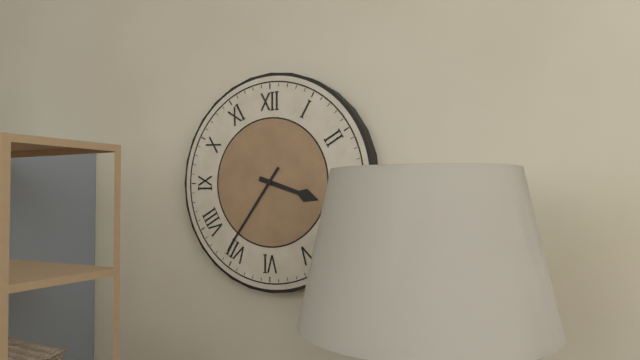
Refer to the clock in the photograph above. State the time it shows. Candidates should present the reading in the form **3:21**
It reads **3:36**
